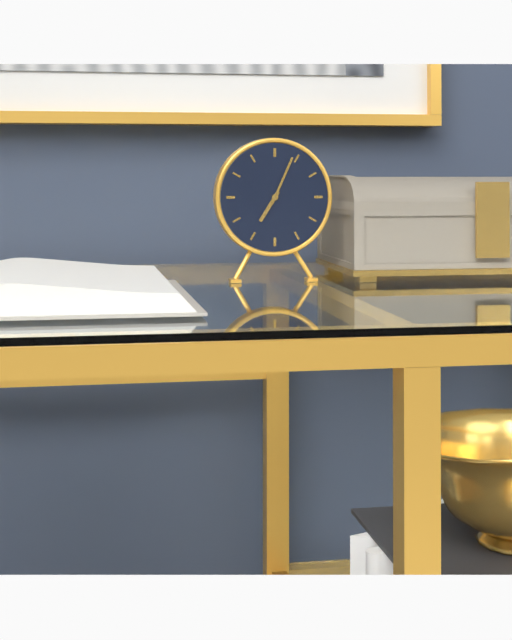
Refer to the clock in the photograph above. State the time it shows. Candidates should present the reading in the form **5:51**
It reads **7:04**
